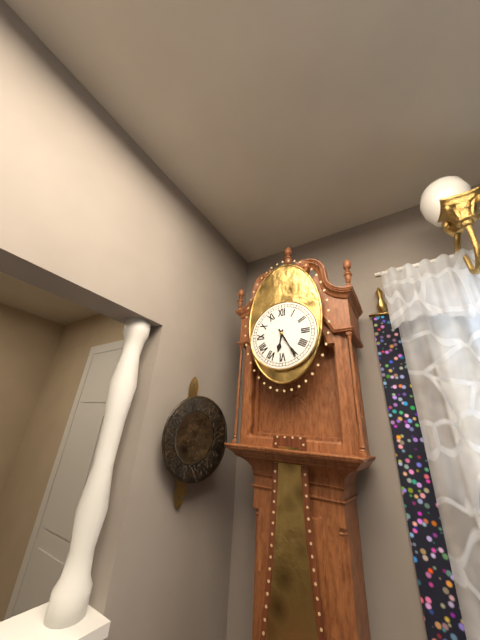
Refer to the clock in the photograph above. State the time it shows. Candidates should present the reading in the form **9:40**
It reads **6:25**
